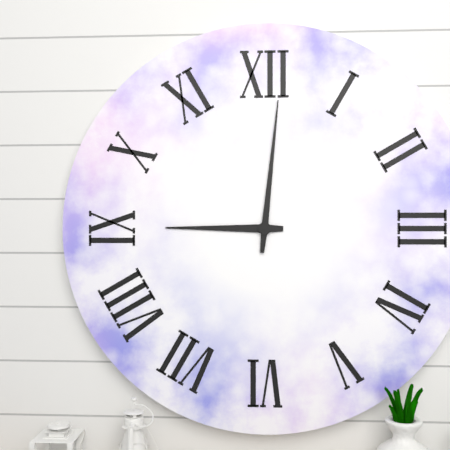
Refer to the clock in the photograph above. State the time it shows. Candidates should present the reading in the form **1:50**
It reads **9:01**
